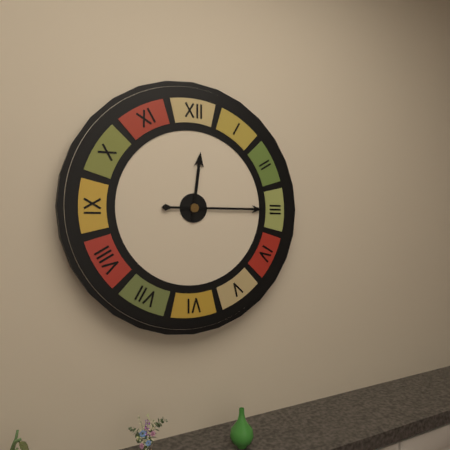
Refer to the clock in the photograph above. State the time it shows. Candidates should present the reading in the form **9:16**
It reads **12:15**
